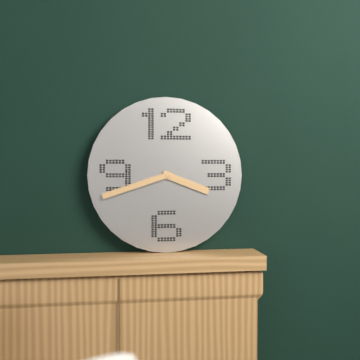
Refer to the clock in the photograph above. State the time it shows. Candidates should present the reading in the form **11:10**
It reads **3:42**
